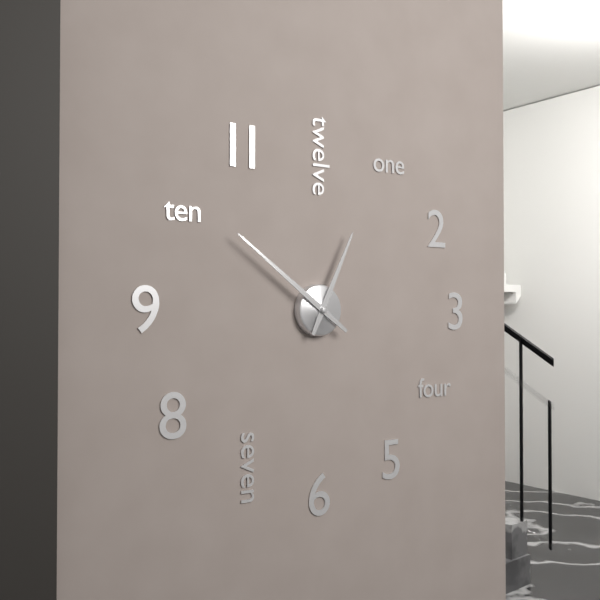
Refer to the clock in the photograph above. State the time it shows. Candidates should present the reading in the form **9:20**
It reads **12:51**
